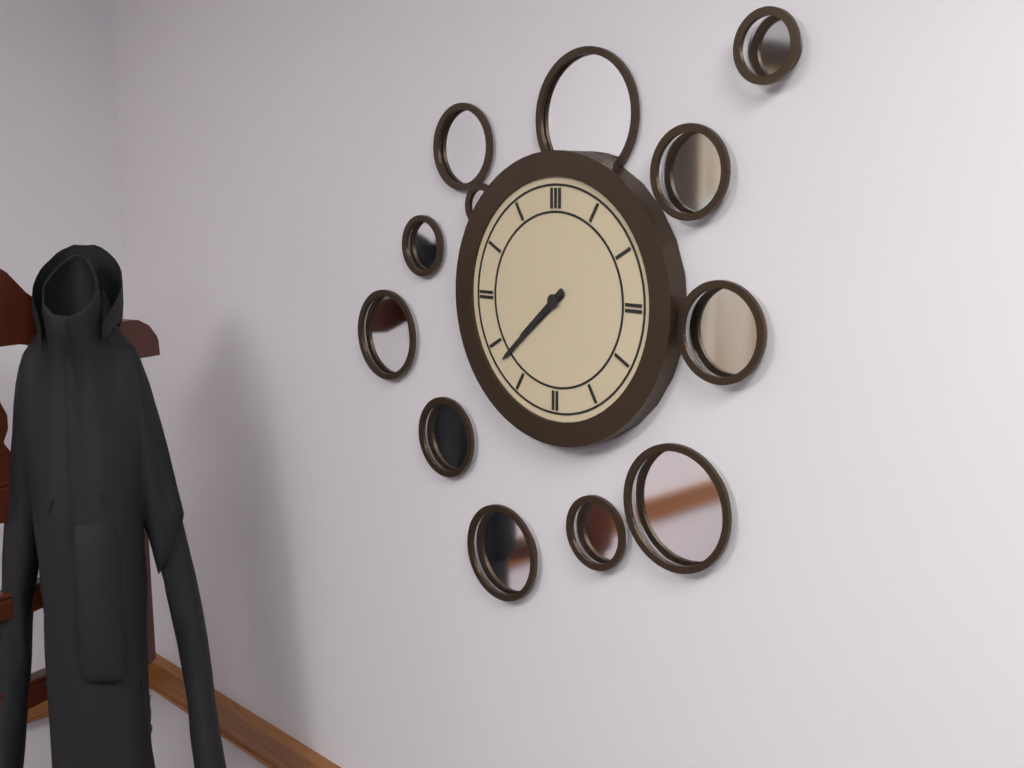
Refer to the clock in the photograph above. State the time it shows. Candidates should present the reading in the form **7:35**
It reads **7:38**
